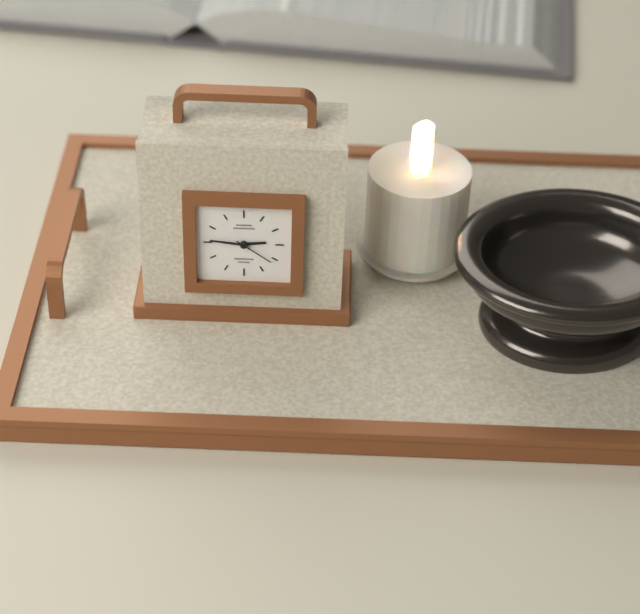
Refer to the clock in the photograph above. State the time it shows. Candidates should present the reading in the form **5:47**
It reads **2:46**
